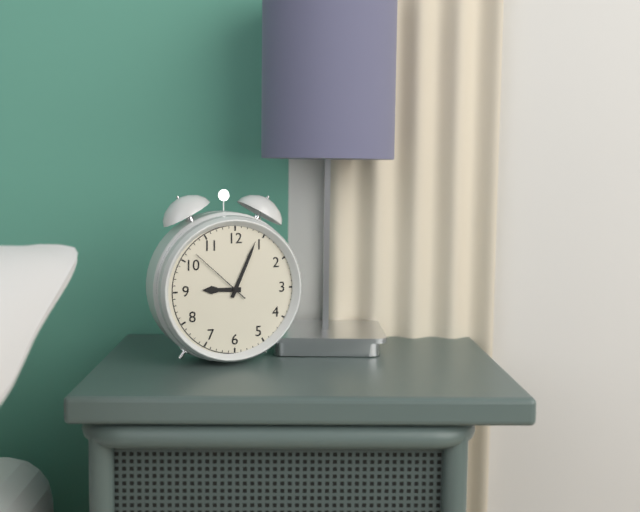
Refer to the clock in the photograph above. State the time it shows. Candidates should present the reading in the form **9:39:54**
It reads **9:04:52**
